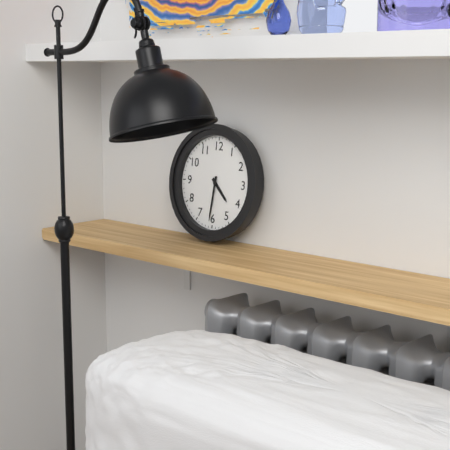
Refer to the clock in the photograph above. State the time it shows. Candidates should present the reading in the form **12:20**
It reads **4:31**
